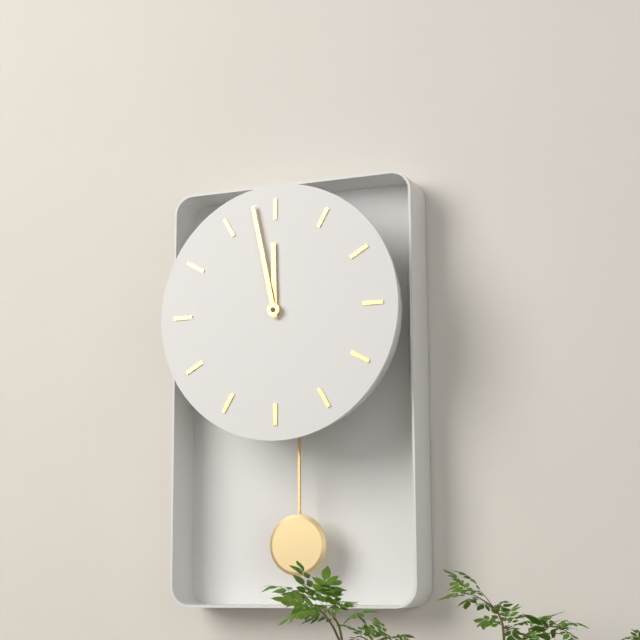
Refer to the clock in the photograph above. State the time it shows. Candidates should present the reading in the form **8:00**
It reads **11:58**
